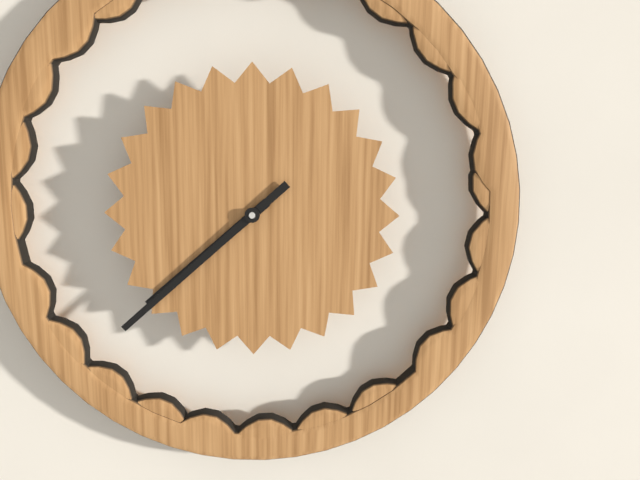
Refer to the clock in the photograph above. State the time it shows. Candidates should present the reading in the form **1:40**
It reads **7:38**
